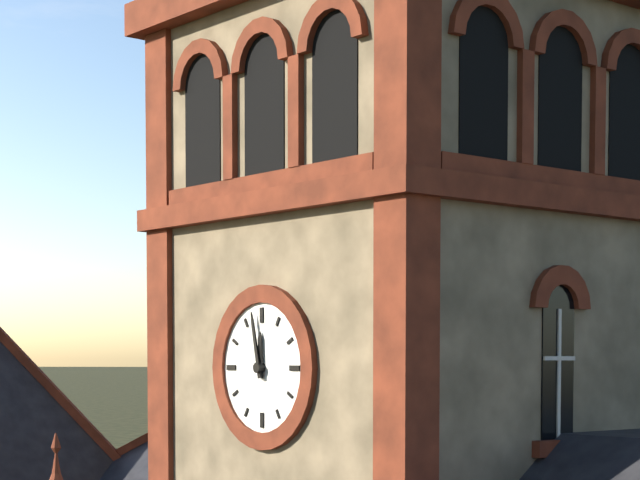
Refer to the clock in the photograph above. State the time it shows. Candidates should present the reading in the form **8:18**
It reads **11:58**
